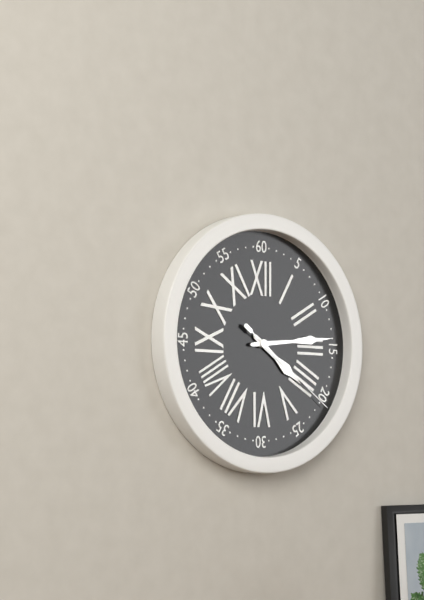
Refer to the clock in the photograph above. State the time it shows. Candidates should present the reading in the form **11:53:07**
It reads **4:14:21**
